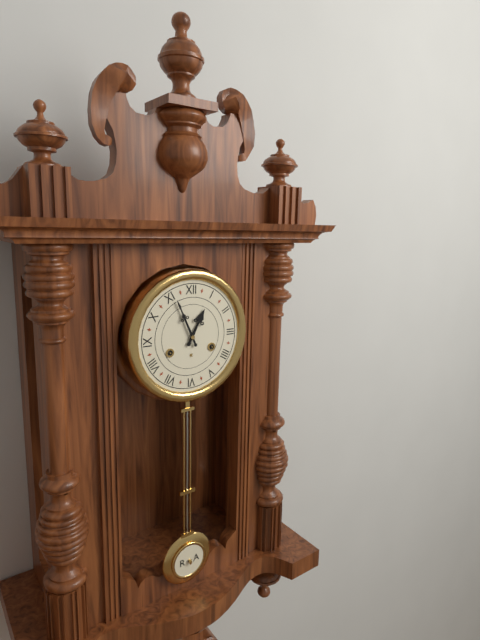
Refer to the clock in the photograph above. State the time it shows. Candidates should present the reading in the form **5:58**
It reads **12:56**
